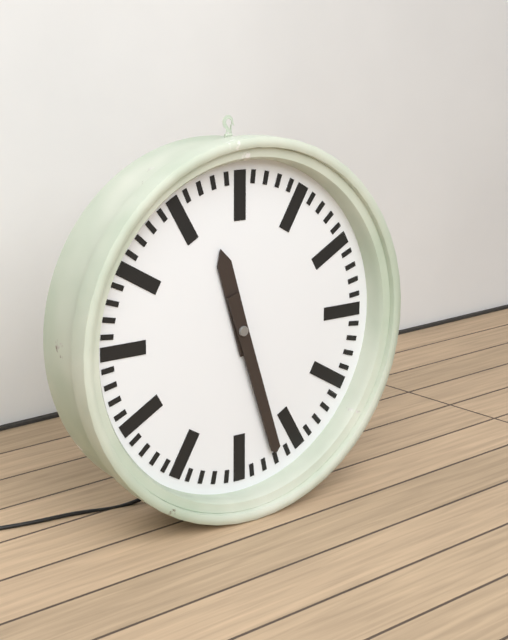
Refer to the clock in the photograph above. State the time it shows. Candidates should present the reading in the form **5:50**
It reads **11:27**
